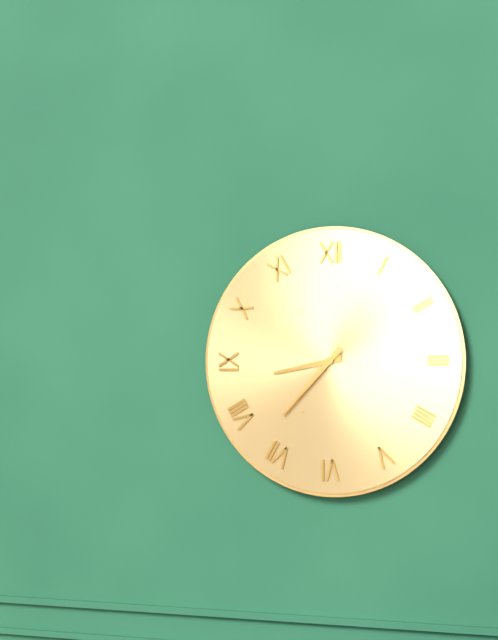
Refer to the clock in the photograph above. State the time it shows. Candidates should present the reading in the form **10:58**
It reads **8:37**
